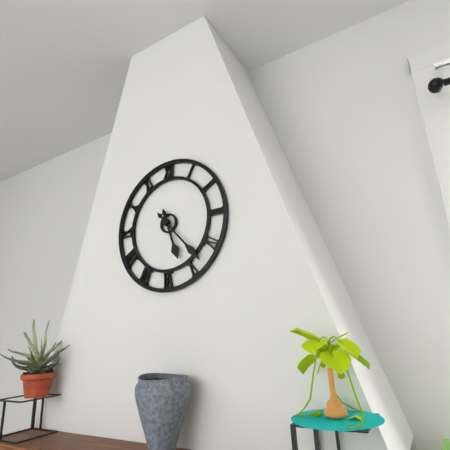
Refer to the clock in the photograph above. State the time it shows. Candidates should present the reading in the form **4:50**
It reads **5:23**
